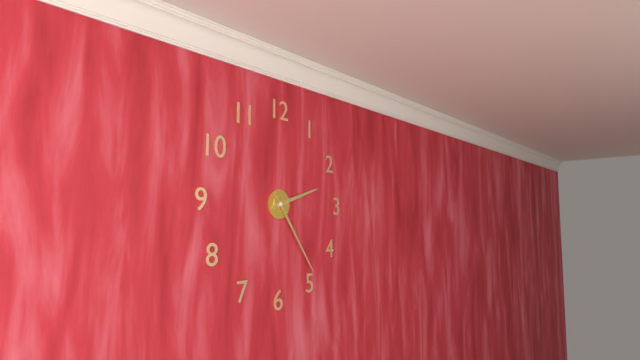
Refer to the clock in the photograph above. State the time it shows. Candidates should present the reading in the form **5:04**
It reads **2:24**
